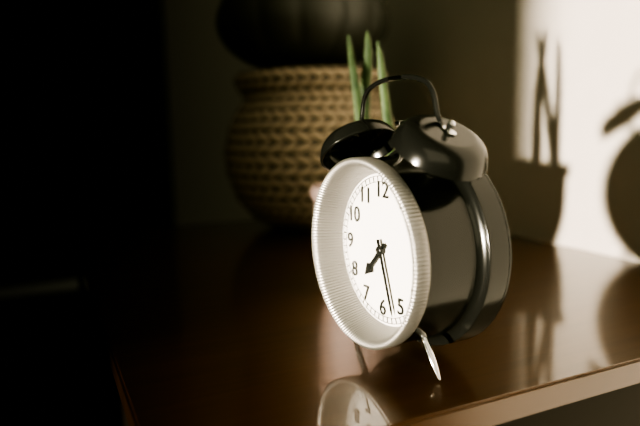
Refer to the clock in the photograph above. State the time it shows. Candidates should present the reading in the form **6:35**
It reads **7:27**
